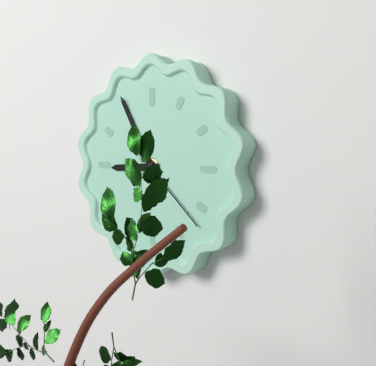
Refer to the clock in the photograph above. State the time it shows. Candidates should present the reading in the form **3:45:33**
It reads **8:55:22**
